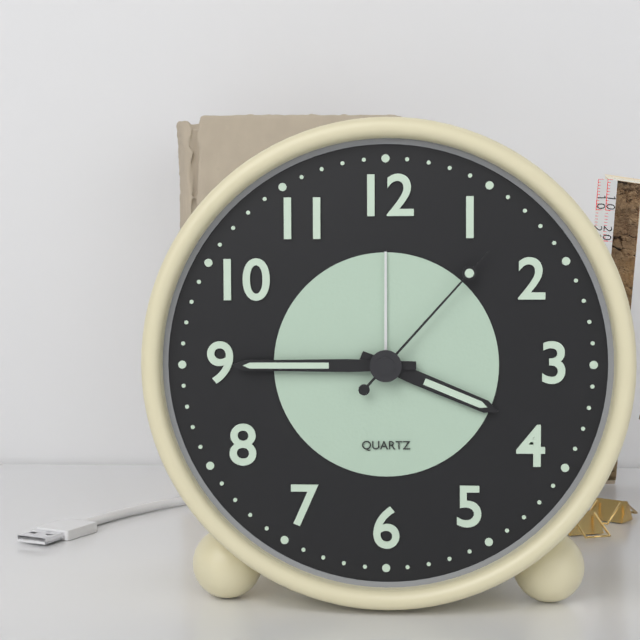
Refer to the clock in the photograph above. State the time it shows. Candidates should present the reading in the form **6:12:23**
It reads **3:45:07**
